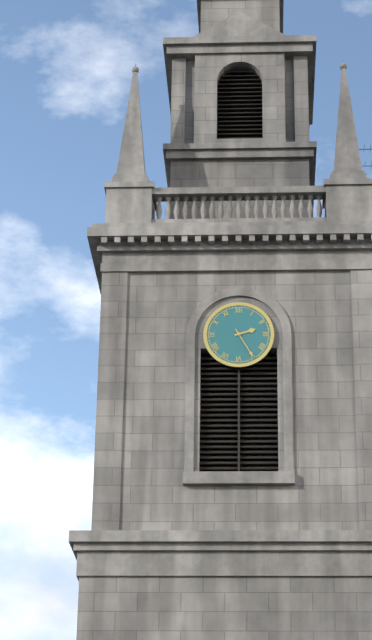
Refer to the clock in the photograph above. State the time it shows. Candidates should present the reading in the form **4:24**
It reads **2:25**
